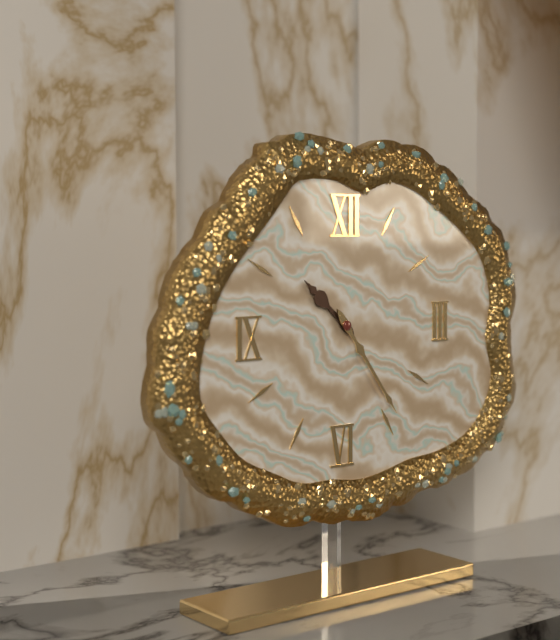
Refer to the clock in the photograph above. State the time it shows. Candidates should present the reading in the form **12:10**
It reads **10:24**
